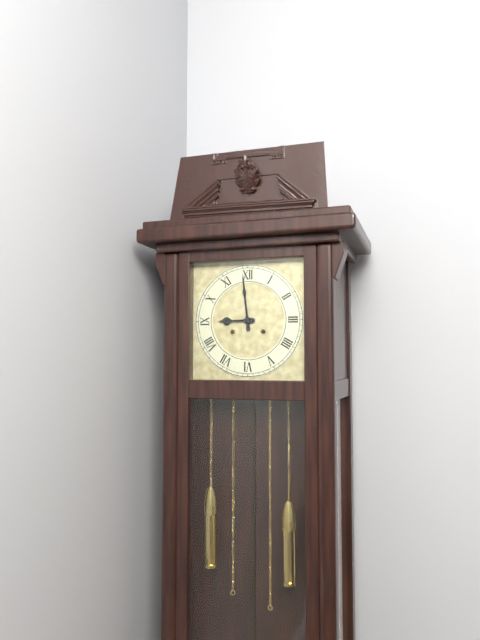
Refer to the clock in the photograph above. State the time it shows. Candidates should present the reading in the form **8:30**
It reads **8:59**
